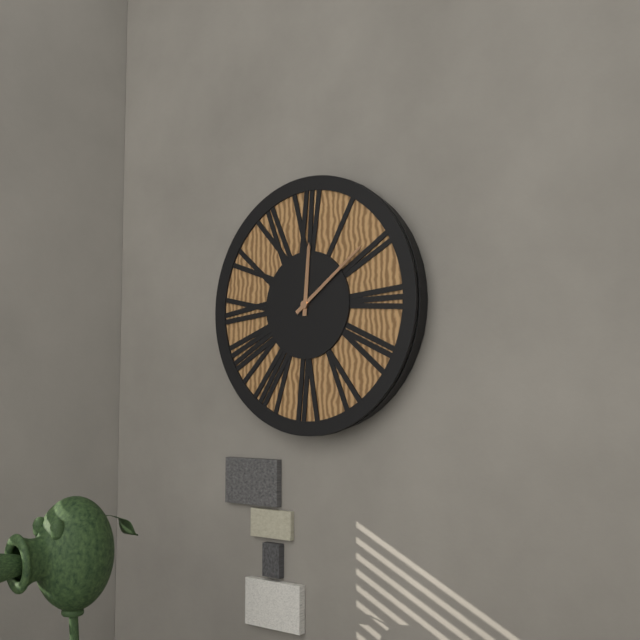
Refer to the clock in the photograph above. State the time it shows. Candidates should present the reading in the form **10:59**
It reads **12:09**
